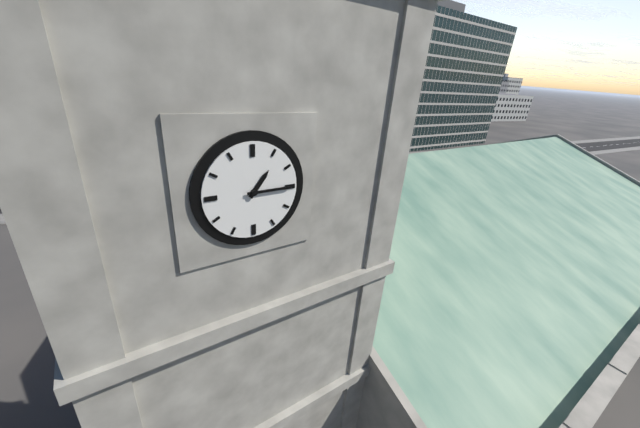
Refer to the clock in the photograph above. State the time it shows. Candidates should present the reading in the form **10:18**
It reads **1:15**
